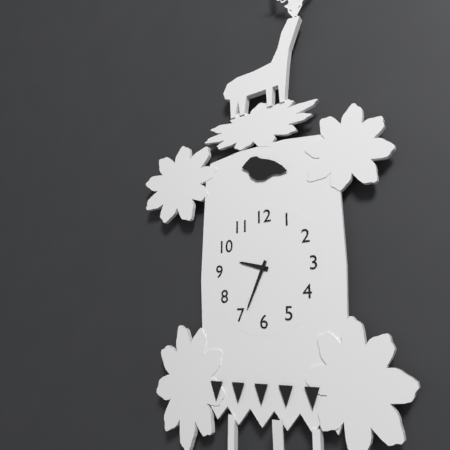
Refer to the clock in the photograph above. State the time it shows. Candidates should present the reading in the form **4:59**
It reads **9:34**
